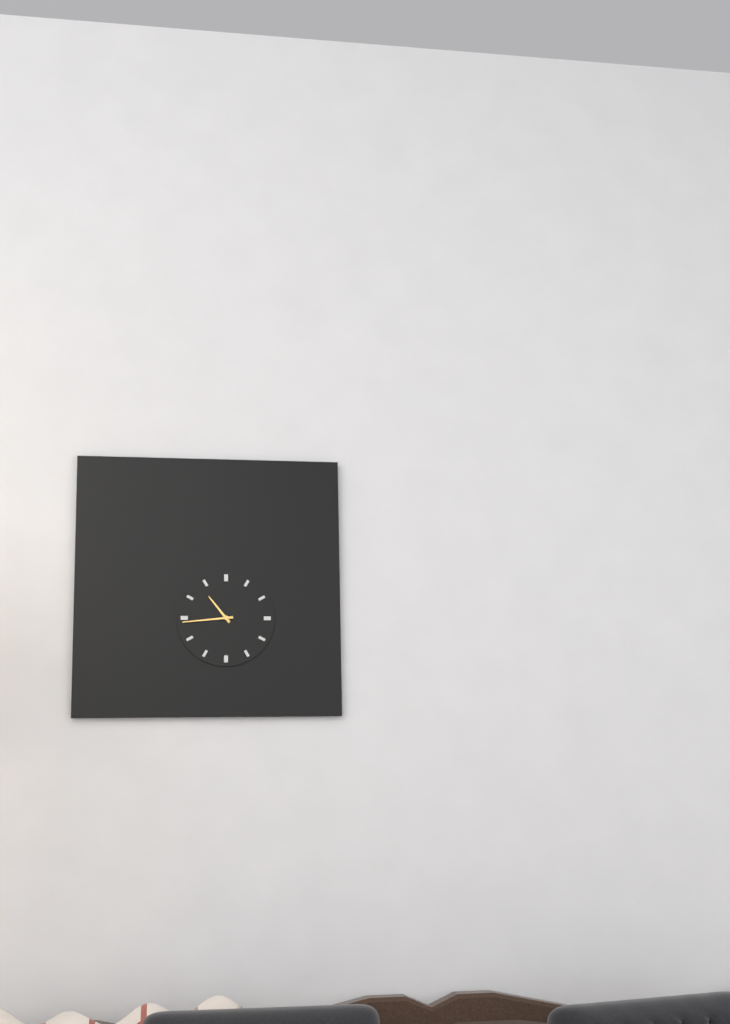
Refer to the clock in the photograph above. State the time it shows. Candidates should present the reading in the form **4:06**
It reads **10:44**
